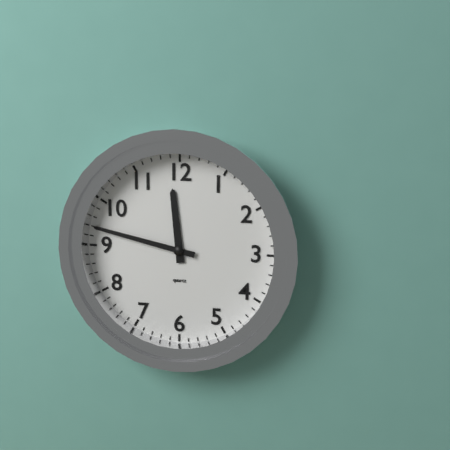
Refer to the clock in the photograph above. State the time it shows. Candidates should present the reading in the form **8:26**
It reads **11:47**
